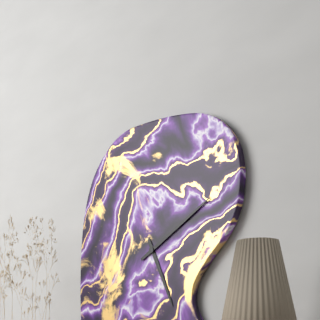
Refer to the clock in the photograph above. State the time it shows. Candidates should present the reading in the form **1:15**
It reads **5:10**
